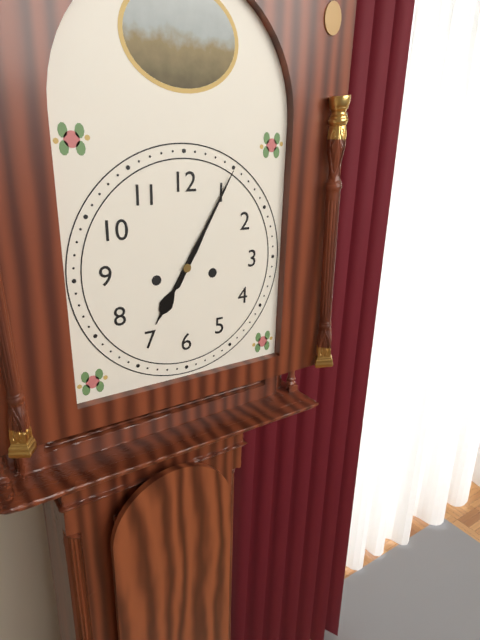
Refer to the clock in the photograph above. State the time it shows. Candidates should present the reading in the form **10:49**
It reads **7:05**
